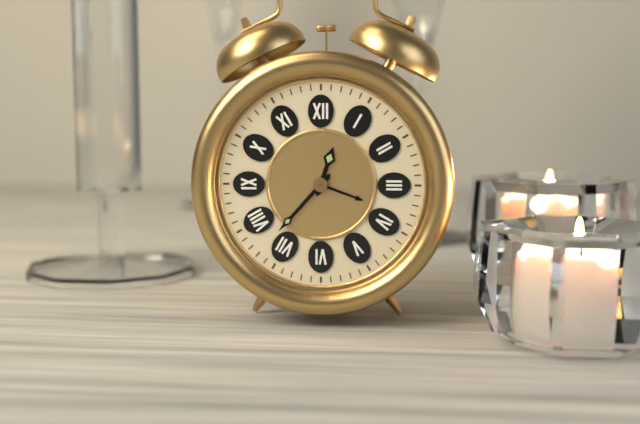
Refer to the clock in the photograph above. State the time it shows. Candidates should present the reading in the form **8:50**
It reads **12:37**
